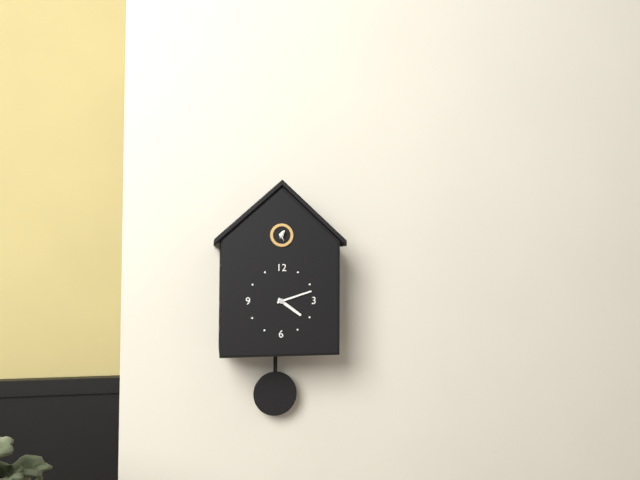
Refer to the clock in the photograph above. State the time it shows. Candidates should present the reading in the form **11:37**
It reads **4:12**
